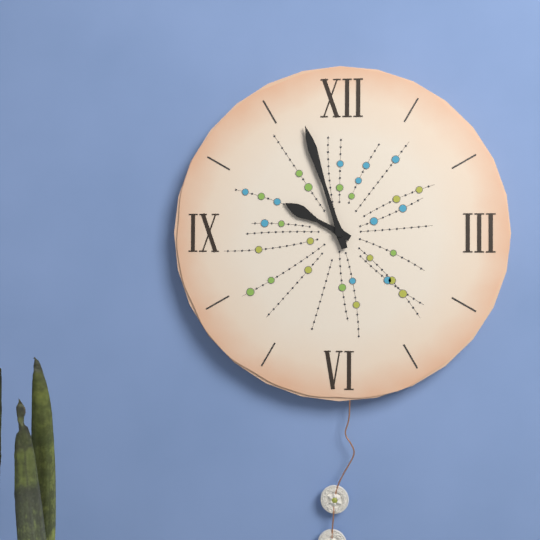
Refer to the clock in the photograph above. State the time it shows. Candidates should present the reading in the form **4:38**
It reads **9:57**
